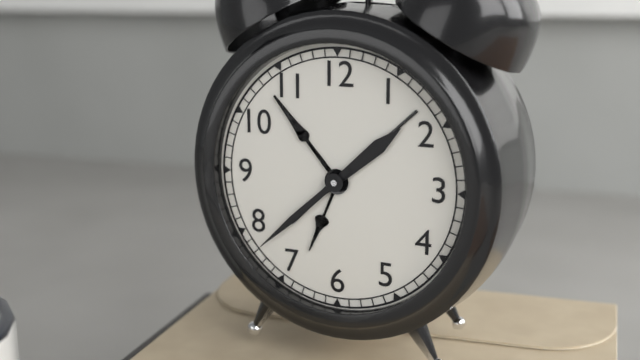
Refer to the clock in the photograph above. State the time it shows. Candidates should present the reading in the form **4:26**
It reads **1:38**
